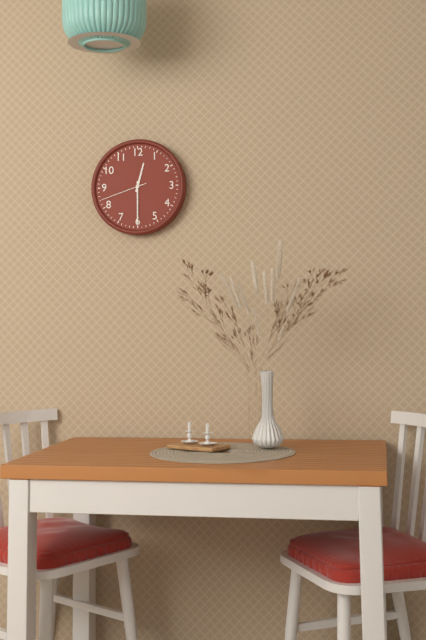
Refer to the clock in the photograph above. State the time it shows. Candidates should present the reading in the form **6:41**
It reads **12:30**
